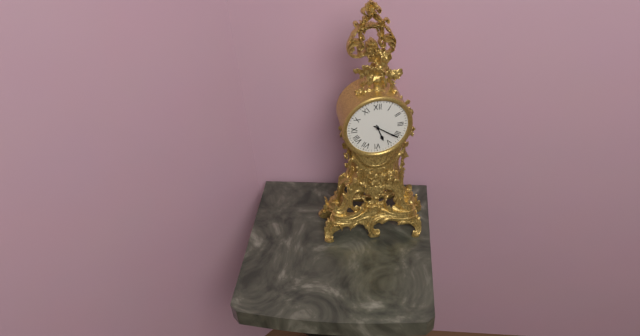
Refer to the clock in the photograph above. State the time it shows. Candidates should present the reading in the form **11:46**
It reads **5:21**
